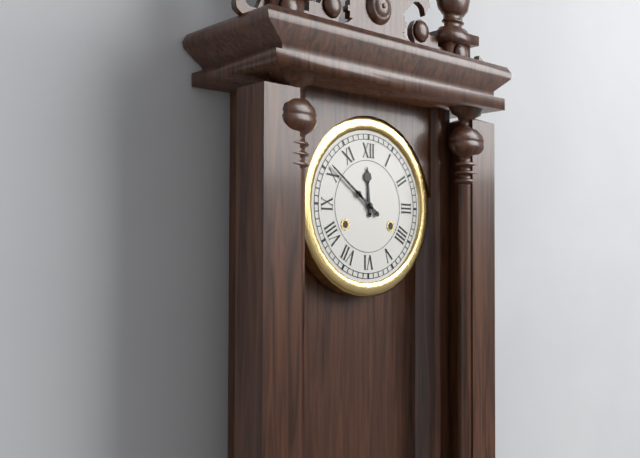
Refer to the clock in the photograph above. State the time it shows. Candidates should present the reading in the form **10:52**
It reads **11:51**
